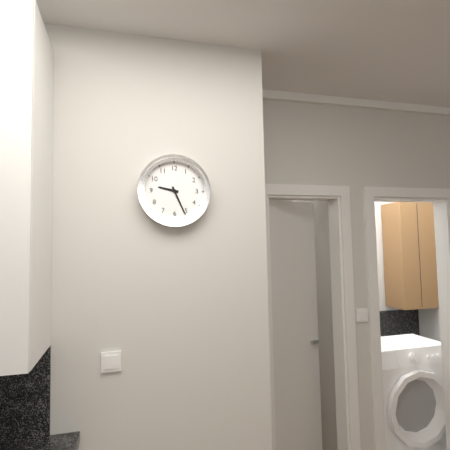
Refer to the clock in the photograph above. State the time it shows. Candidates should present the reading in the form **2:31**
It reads **9:26**
